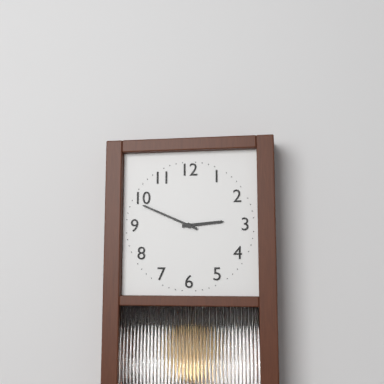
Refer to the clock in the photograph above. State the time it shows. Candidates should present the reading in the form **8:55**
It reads **2:49**
